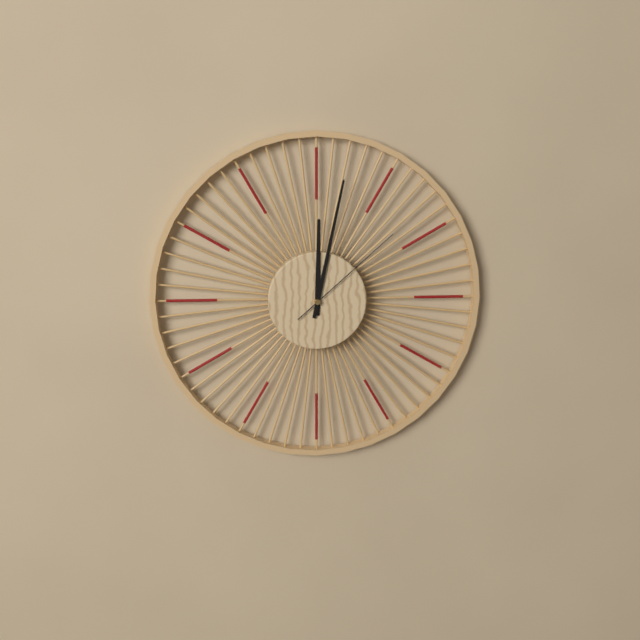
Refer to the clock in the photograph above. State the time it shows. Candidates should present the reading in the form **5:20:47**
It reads **12:02:08**
